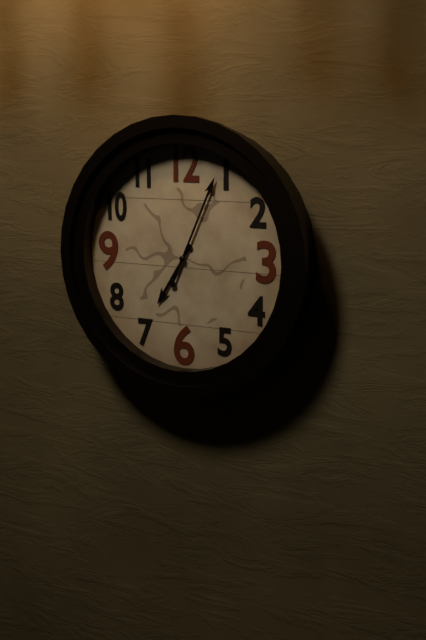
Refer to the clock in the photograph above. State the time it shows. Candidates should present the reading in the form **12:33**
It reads **7:04**
